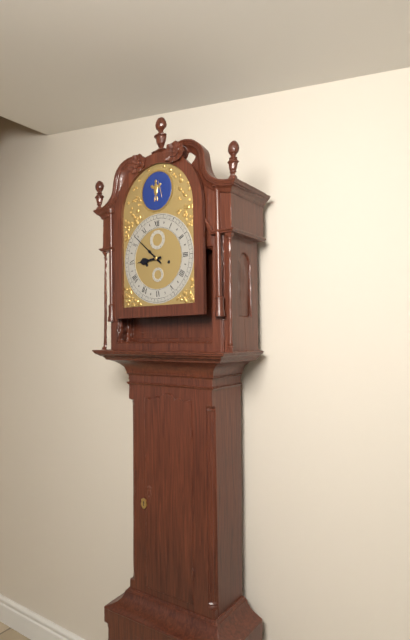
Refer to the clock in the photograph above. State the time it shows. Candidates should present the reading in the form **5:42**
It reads **8:52**
